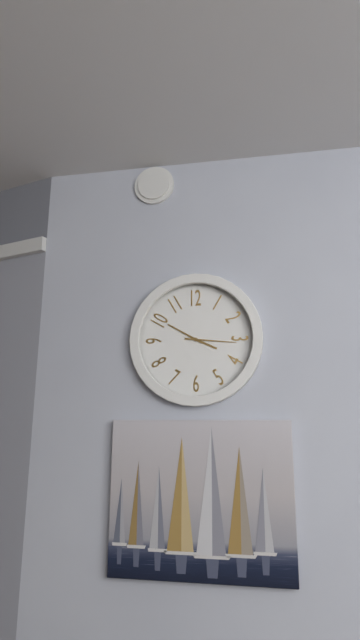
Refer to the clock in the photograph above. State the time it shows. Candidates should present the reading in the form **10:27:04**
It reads **3:50:16**
